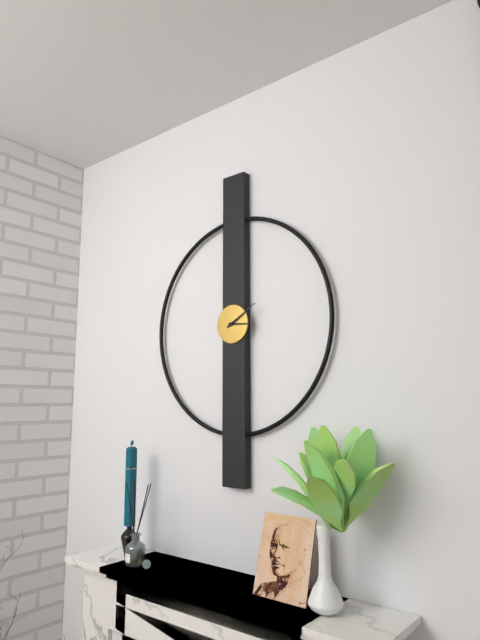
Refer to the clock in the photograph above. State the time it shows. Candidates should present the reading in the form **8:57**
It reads **3:10**
